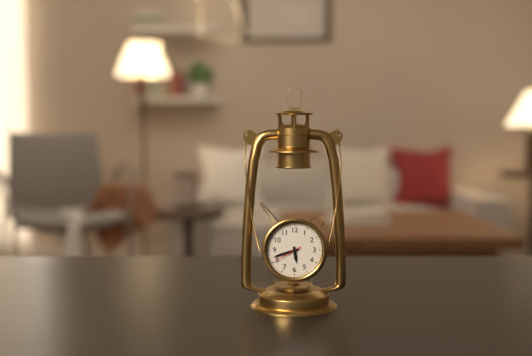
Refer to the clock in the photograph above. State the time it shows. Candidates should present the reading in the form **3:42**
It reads **5:42**
